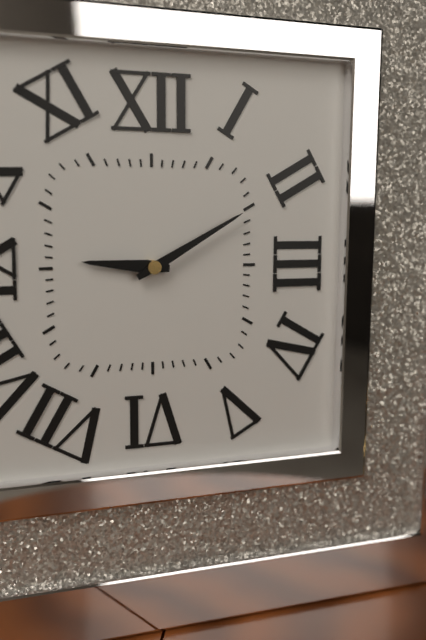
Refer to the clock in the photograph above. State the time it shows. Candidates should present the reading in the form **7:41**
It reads **9:10**
